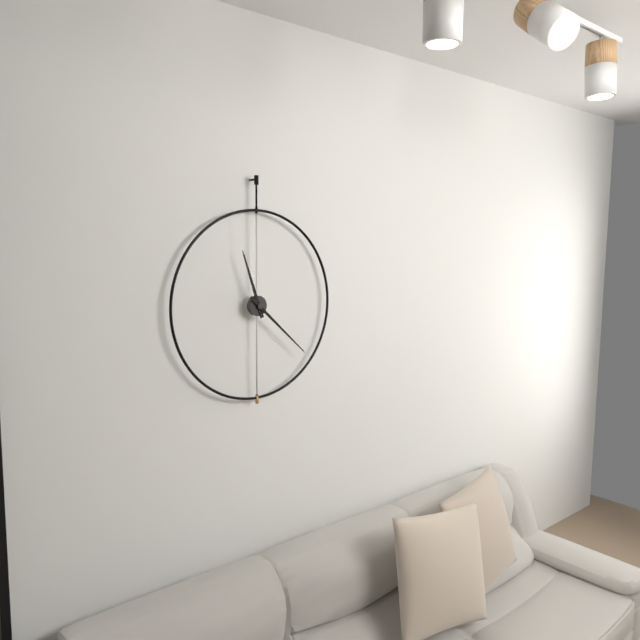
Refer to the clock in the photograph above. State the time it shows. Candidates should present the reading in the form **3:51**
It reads **11:22**
